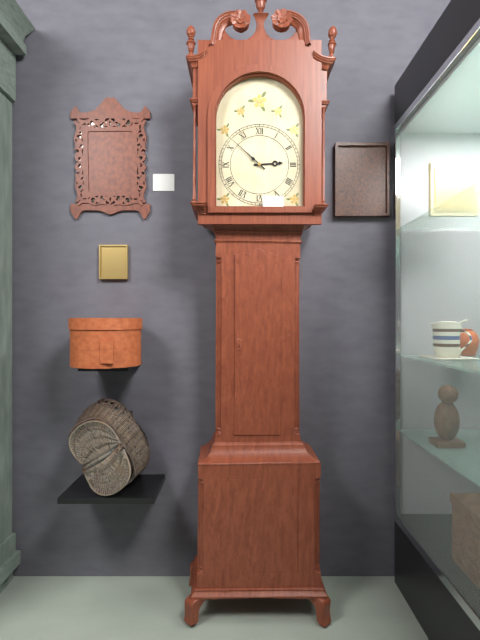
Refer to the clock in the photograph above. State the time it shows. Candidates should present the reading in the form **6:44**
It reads **2:52**
